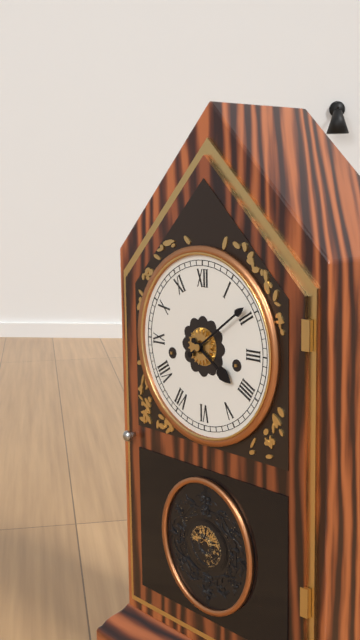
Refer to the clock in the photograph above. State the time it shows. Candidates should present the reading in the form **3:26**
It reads **4:09**
